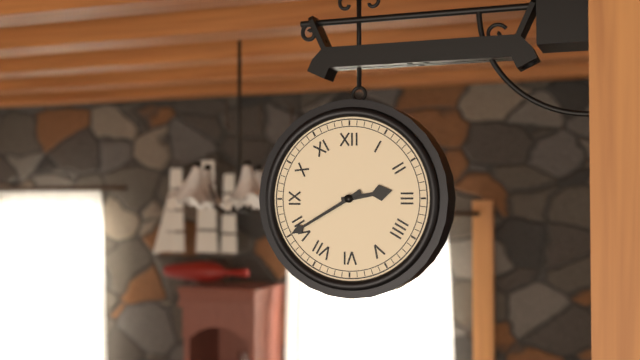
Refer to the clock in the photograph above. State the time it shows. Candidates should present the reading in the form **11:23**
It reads **2:40**
